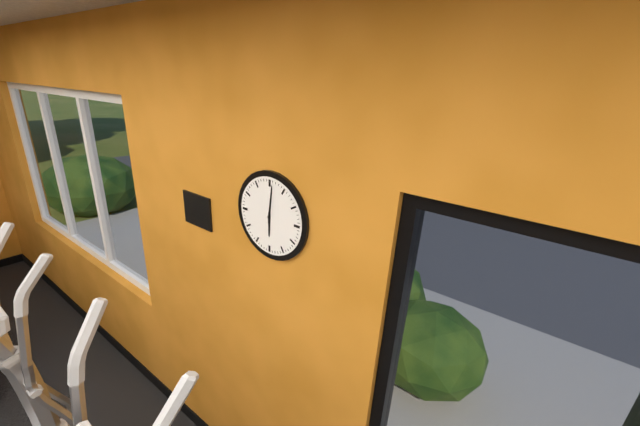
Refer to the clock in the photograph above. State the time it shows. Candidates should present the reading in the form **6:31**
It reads **6:01**
